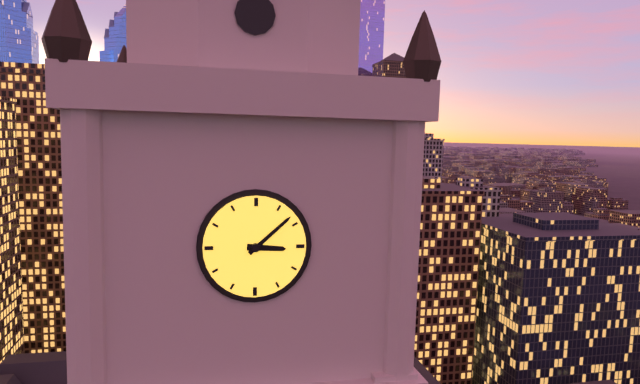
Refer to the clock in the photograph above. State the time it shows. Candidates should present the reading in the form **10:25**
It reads **3:08**
